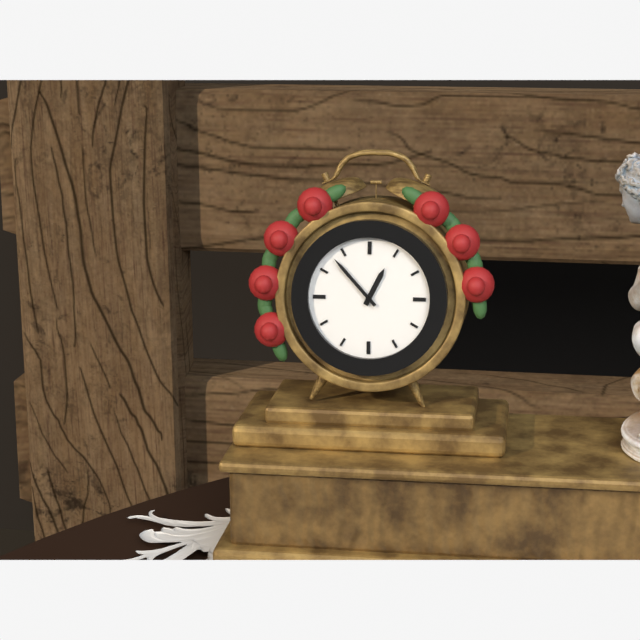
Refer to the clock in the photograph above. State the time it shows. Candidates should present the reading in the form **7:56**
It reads **12:53**
